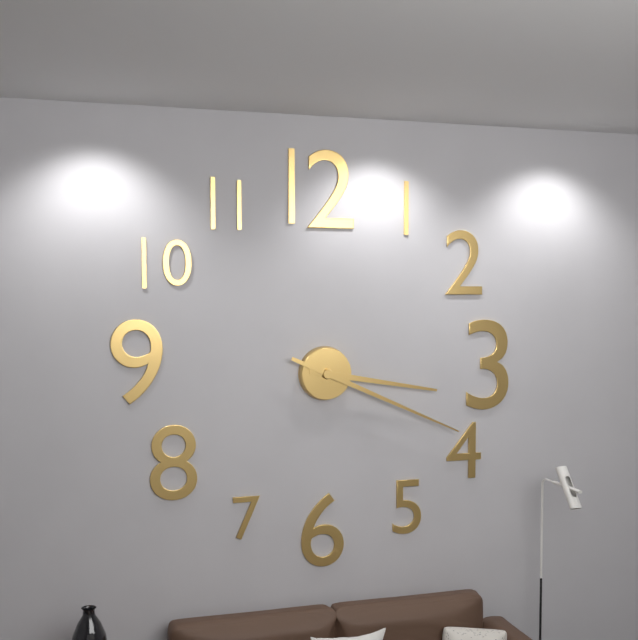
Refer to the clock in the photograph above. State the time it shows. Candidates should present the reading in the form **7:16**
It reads **3:19**
